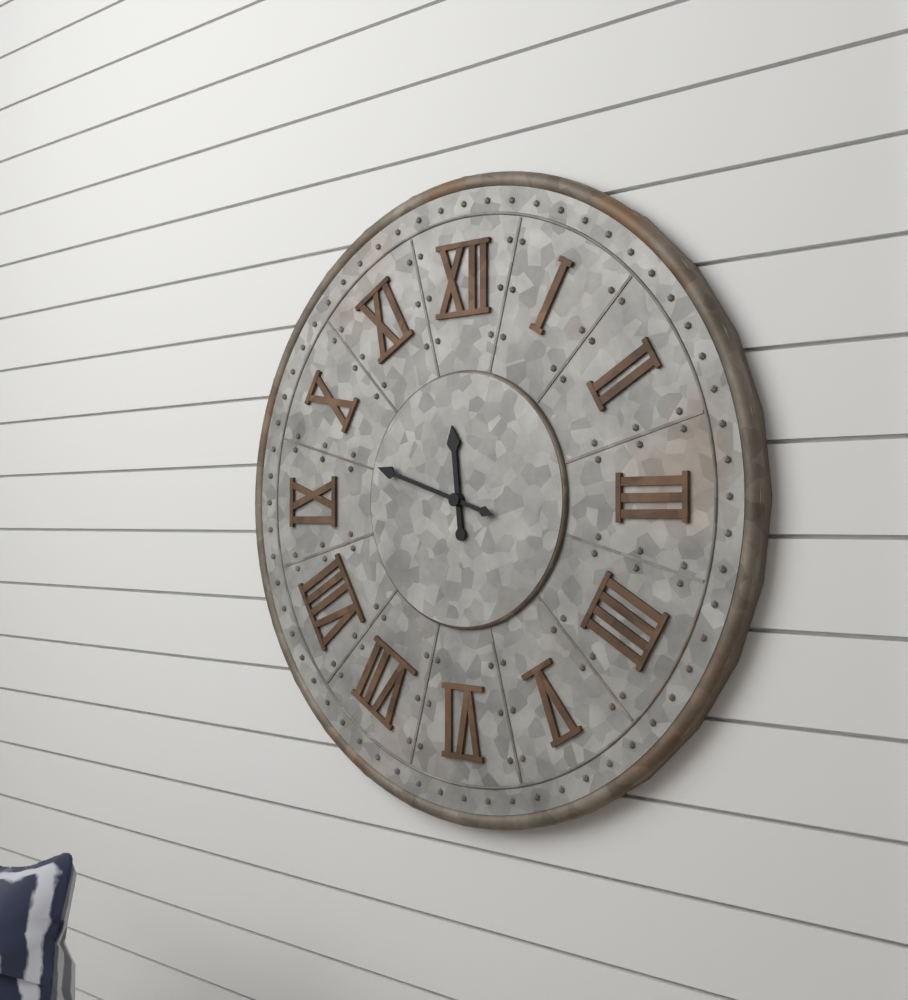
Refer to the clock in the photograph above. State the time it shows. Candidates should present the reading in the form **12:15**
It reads **11:48**
